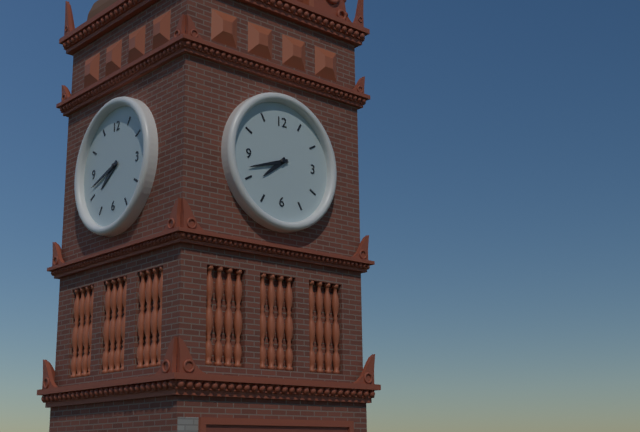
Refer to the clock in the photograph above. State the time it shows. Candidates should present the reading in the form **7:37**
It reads **7:42**
